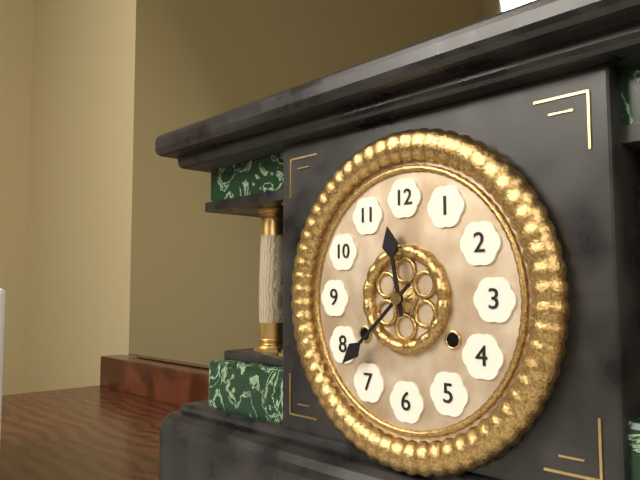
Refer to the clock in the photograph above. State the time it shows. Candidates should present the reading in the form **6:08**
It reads **11:38**
